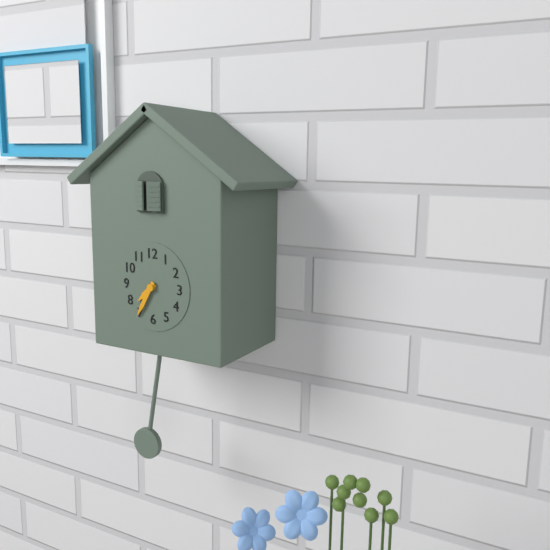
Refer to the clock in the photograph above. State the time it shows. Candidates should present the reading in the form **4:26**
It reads **7:35**
